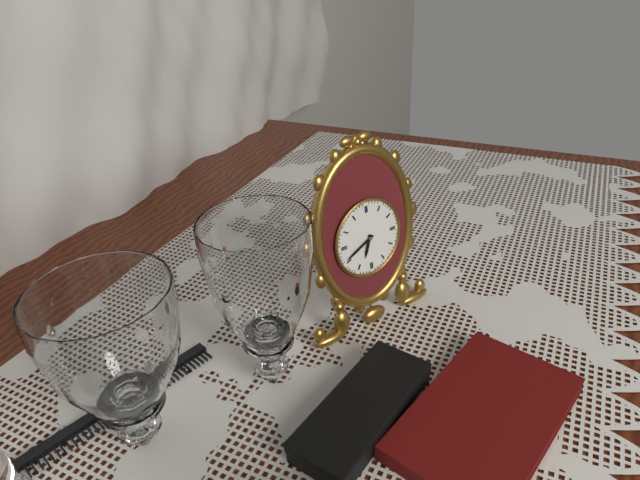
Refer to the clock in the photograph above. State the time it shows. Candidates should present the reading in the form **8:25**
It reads **6:41**
